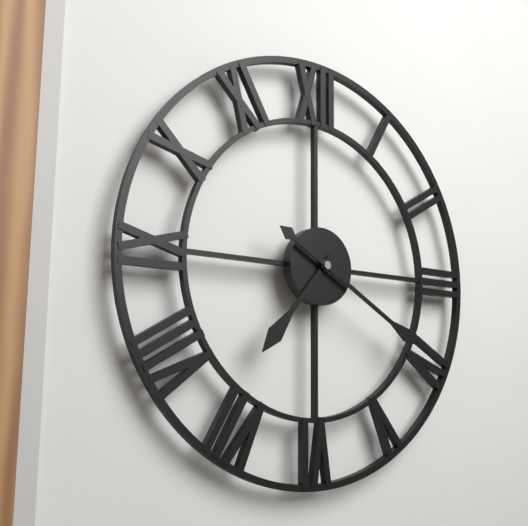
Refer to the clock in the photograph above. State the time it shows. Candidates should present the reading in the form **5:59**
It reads **7:20**
